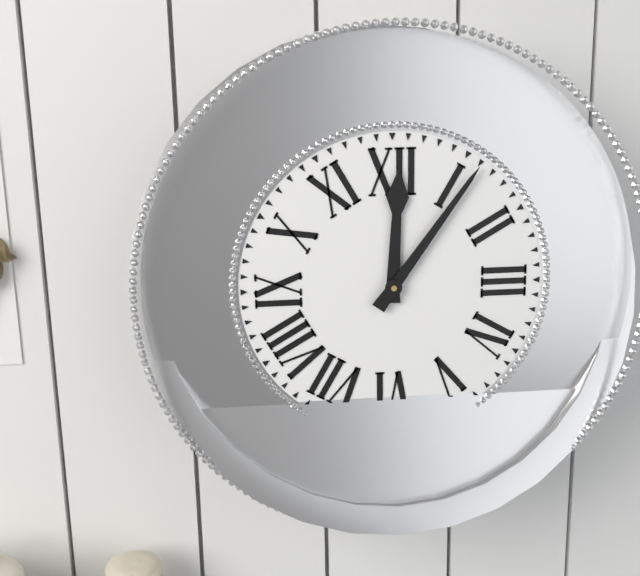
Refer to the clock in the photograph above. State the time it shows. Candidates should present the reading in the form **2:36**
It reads **12:06**
